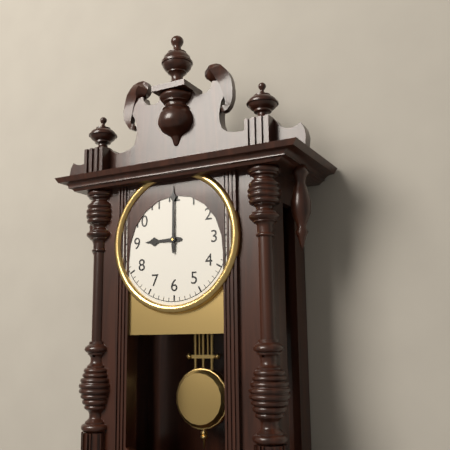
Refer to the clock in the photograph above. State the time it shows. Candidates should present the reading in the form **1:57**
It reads **9:00**
